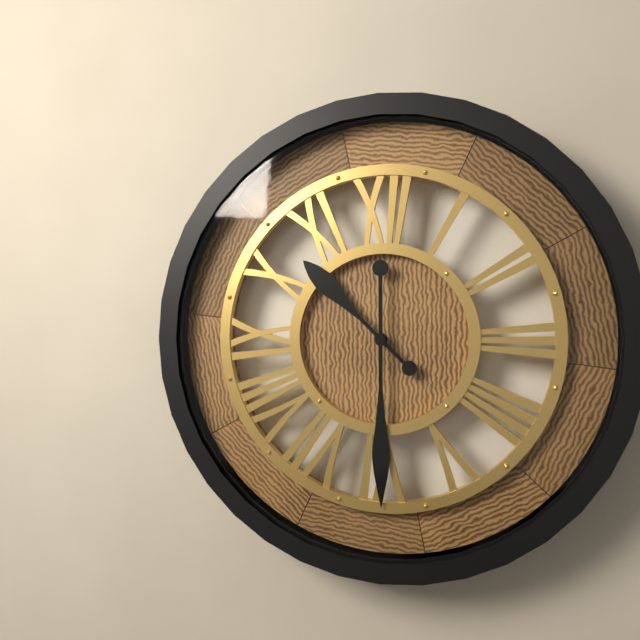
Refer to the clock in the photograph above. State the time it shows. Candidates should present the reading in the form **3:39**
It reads **10:30**
